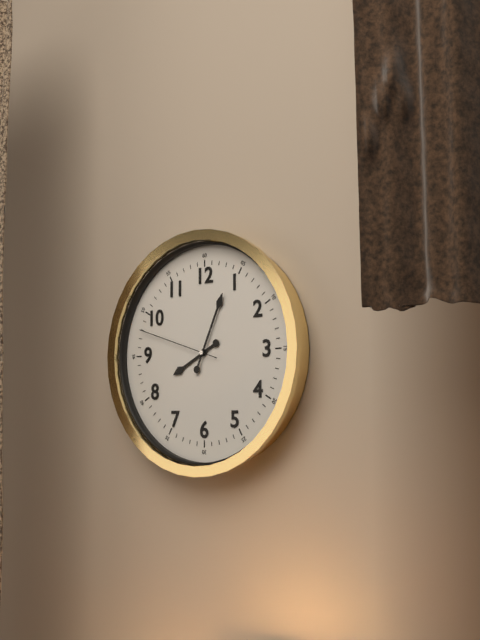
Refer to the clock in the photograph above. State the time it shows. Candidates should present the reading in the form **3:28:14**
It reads **8:04:48**
